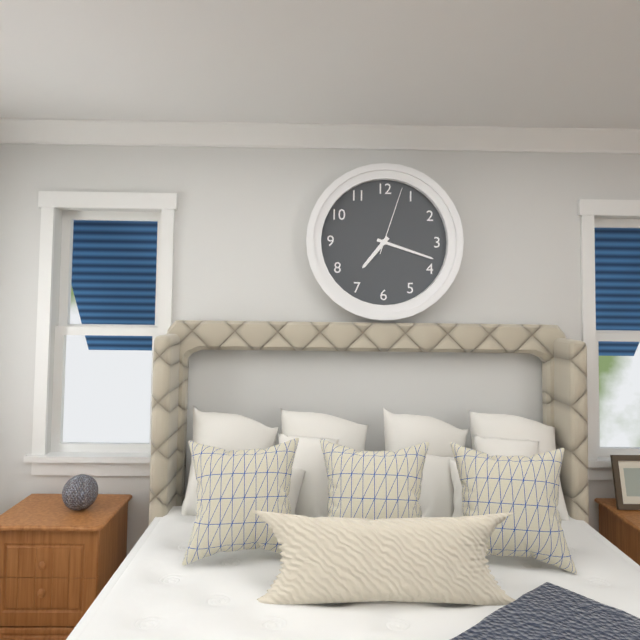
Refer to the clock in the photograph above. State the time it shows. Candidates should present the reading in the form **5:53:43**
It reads **7:18:03**
